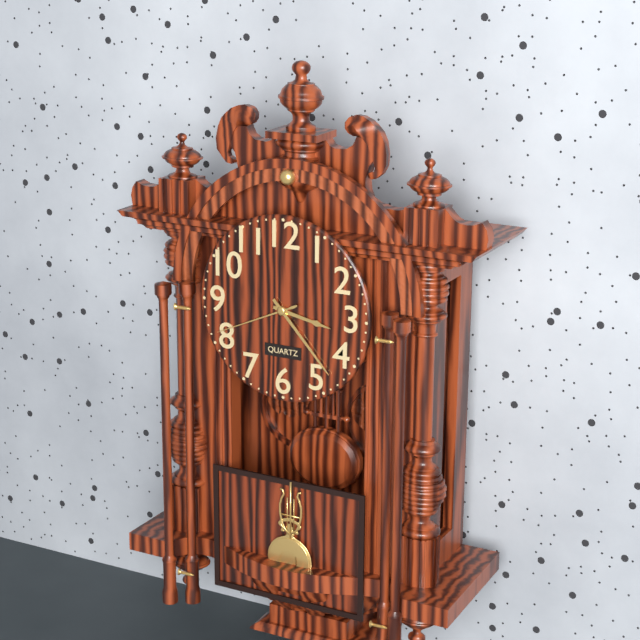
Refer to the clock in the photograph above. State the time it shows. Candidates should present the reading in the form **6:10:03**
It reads **3:23:41**
